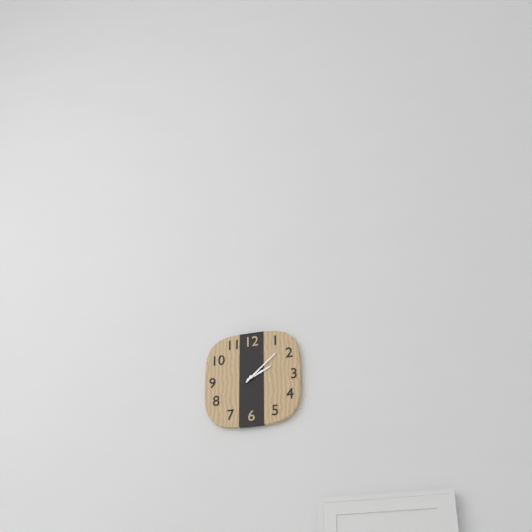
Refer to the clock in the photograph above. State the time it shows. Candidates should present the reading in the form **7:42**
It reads **2:08**
